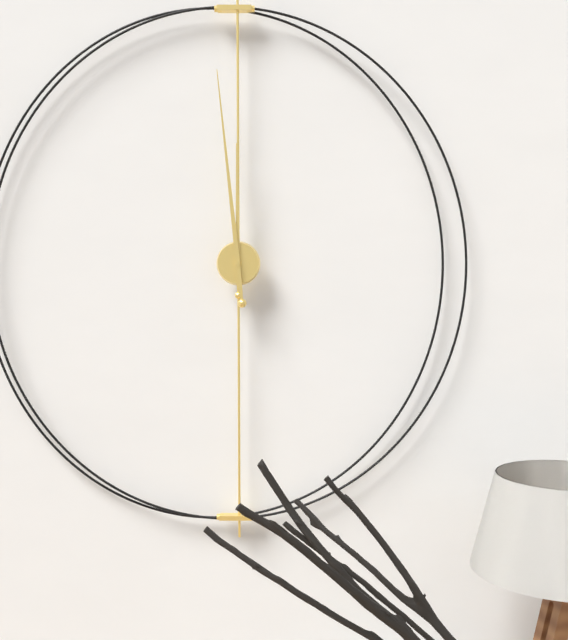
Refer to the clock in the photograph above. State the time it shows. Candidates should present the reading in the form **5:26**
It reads **11:59**
